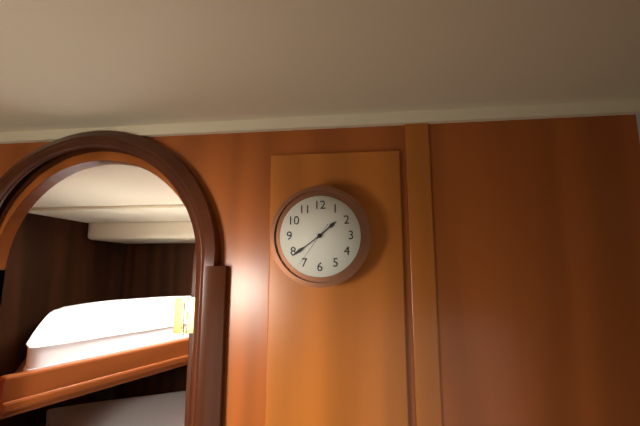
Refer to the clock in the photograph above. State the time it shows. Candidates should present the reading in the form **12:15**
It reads **1:39**
